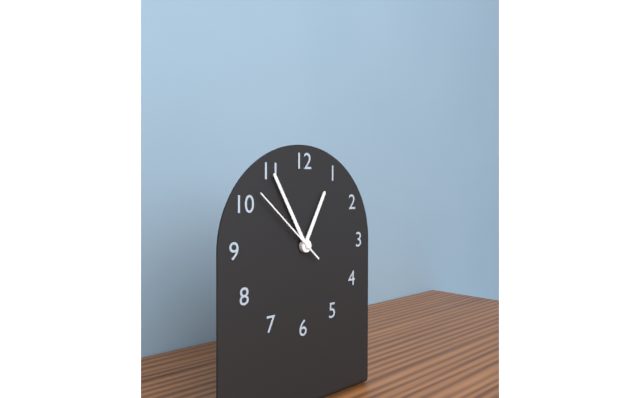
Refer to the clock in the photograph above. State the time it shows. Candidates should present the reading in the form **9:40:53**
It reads **12:55:52**
